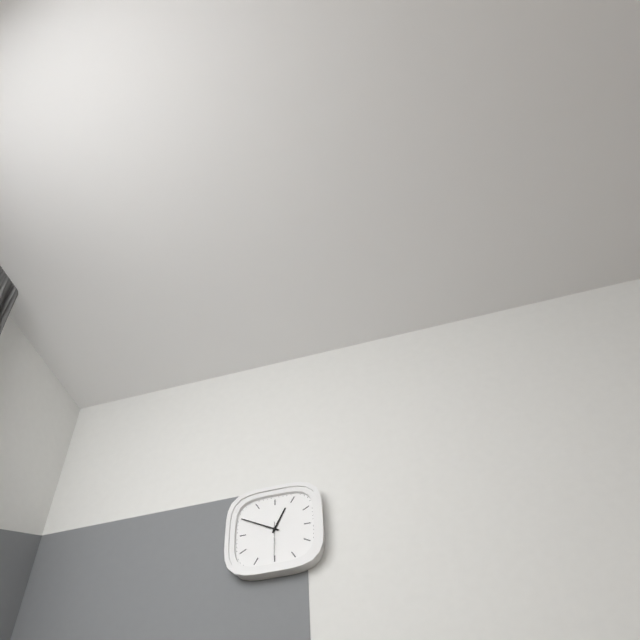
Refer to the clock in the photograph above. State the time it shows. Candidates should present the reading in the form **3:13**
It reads **12:50**
